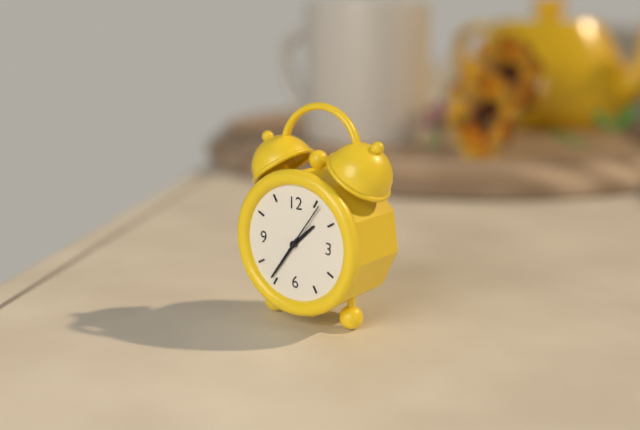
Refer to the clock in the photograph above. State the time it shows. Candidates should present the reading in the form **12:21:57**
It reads **1:36:06**
